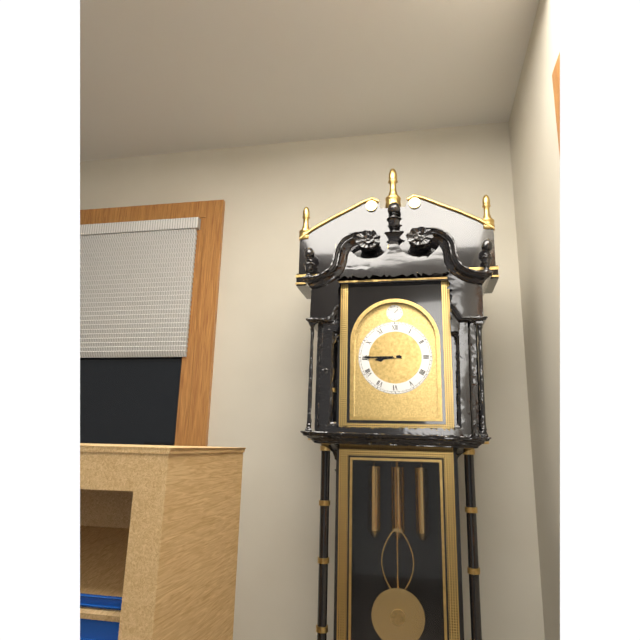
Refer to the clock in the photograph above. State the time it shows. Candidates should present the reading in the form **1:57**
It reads **8:45**
